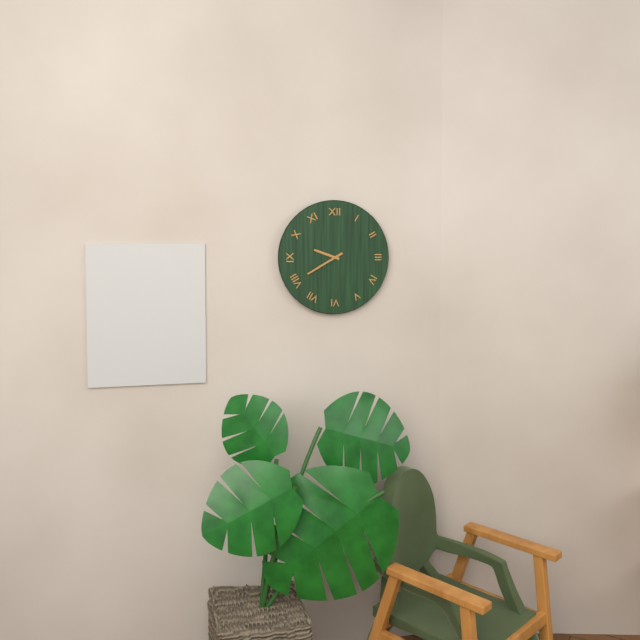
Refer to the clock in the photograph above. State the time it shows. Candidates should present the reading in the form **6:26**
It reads **9:40**
